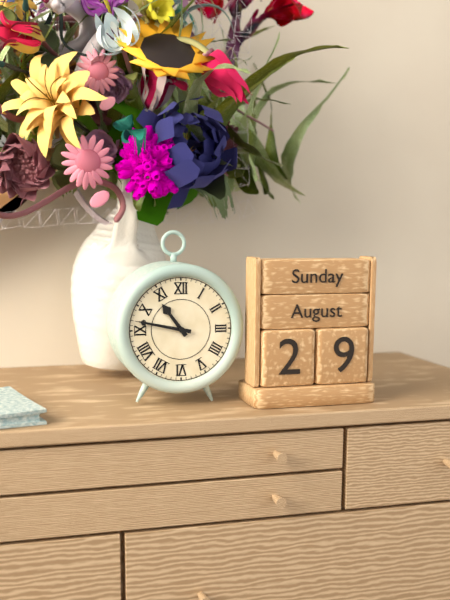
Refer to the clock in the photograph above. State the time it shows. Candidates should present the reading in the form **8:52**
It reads **10:47**
